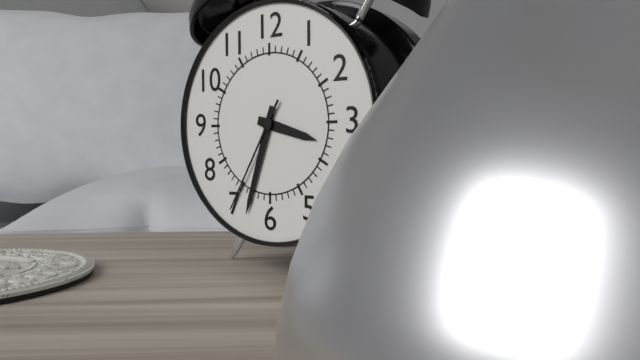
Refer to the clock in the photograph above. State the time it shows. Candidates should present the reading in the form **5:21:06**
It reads **3:33:35**
